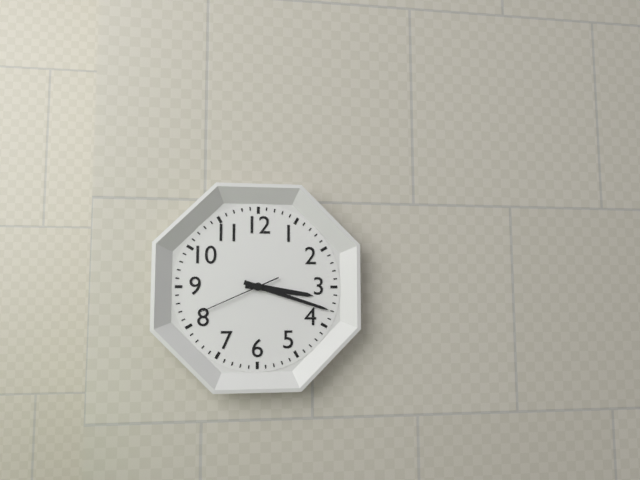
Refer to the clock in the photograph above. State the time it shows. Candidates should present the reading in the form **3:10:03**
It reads **3:18:41**
